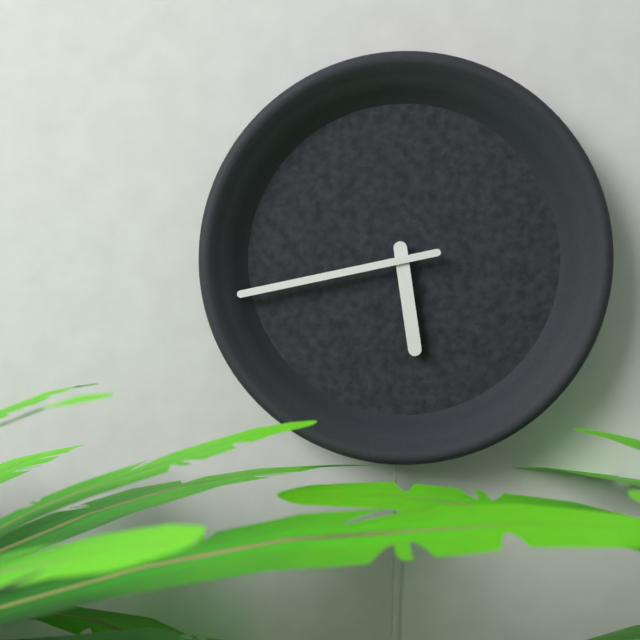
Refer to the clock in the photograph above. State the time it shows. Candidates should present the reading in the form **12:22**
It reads **5:43**
